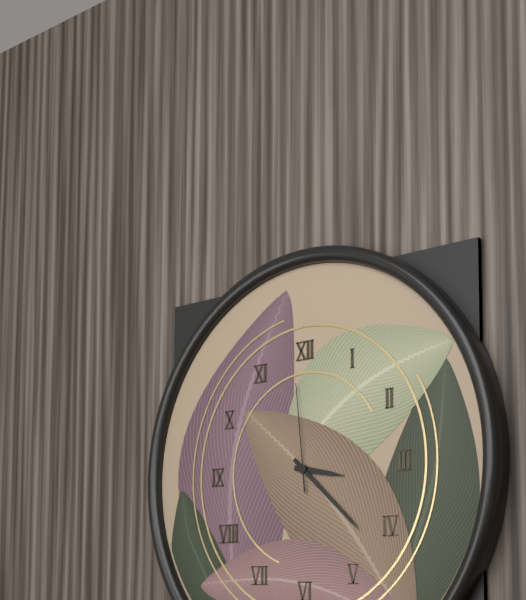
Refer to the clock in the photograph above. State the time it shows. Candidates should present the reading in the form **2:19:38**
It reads **3:22:59**
